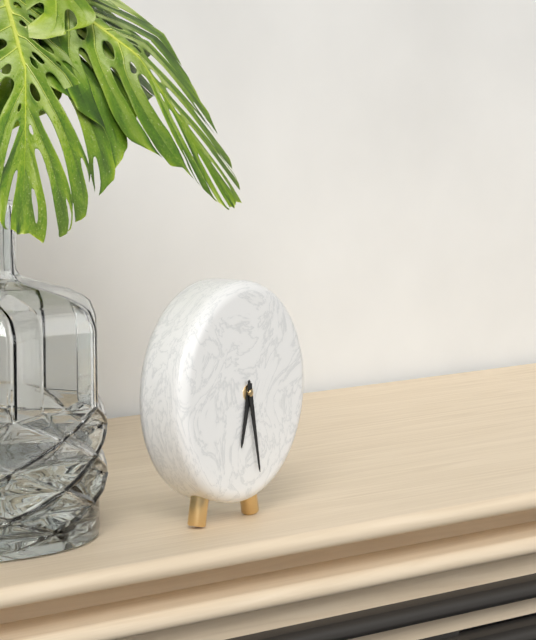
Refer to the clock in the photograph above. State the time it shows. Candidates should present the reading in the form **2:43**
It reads **6:28**
